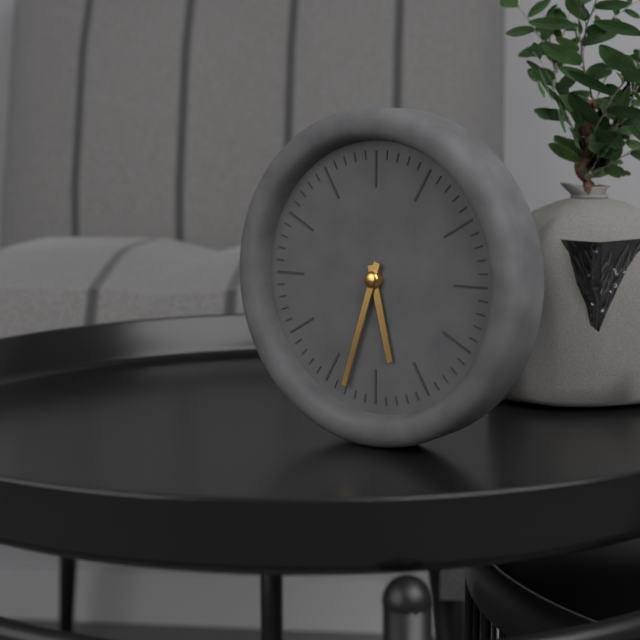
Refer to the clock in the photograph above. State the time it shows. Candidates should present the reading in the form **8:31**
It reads **5:33**
